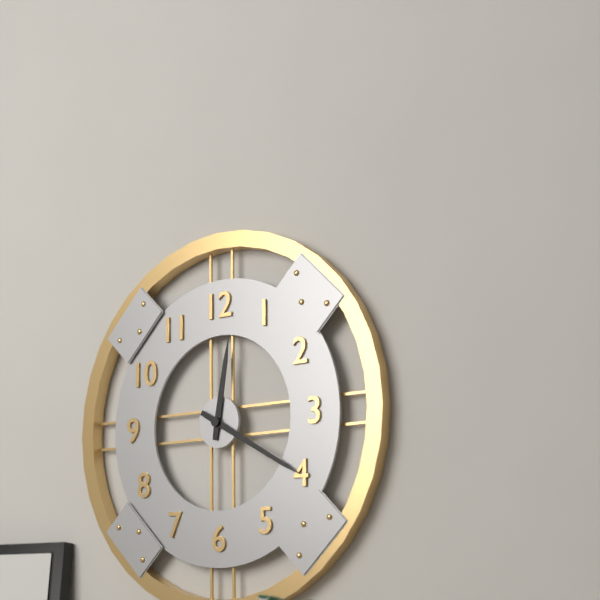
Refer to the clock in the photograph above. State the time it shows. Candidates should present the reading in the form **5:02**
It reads **12:20**
